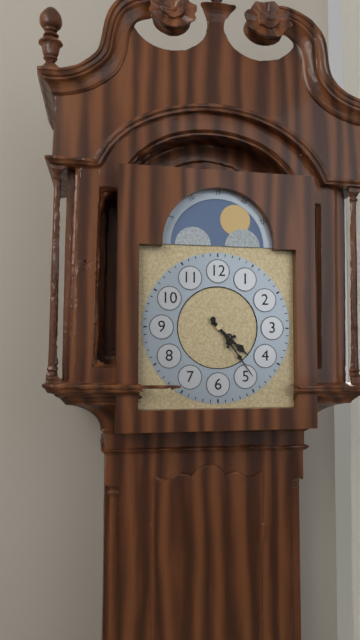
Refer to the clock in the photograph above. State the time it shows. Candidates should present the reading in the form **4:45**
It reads **4:24**
